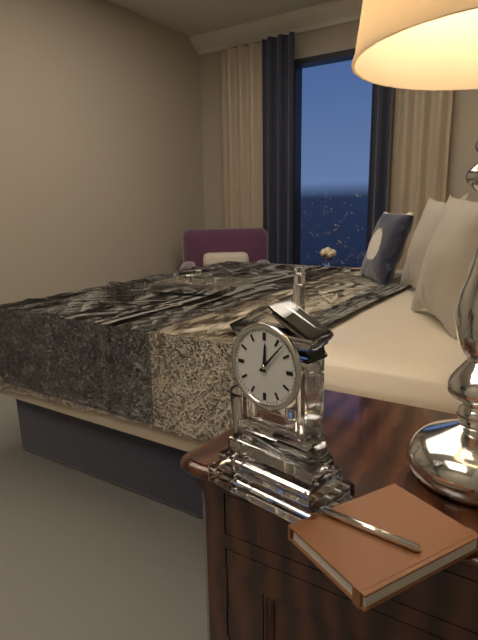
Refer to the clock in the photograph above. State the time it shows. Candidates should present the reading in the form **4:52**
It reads **12:07**
